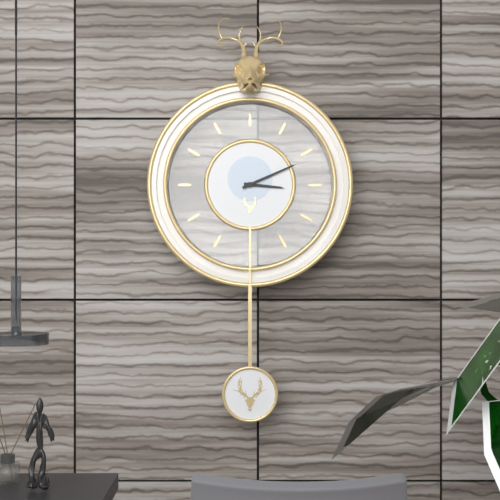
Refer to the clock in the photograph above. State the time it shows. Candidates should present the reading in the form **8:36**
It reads **3:11**
